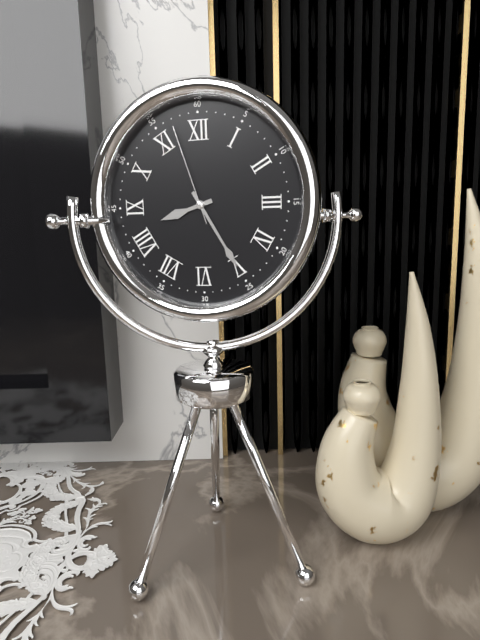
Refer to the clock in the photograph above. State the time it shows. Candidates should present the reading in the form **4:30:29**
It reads **8:25:57**
